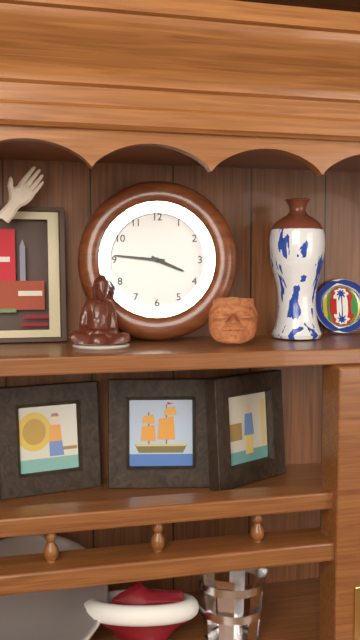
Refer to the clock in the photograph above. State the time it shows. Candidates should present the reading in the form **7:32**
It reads **3:46**
